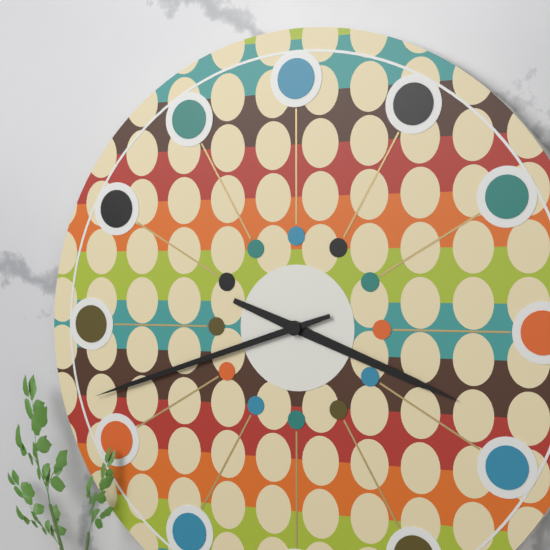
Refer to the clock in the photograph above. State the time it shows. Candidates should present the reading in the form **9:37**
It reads **3:42**
